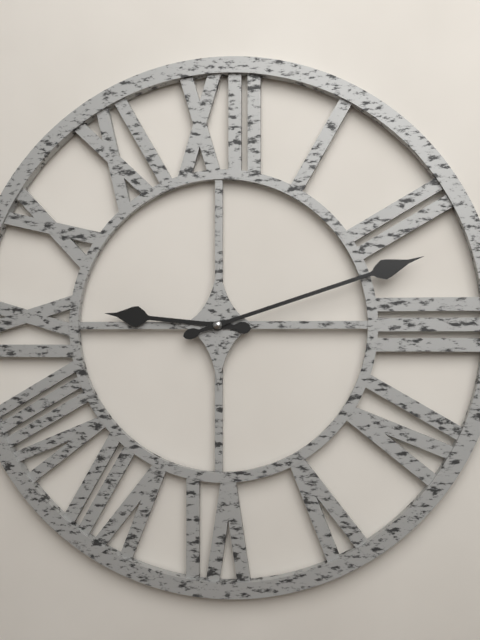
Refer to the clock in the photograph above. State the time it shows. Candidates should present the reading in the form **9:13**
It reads **9:12**
